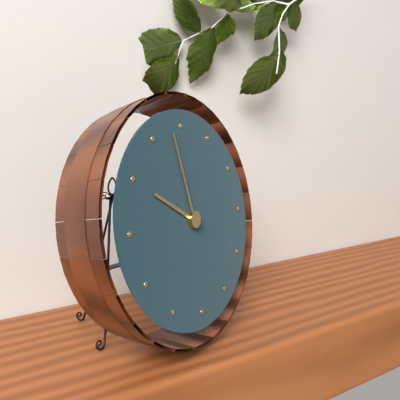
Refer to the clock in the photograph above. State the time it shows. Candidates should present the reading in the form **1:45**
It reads **9:58**
